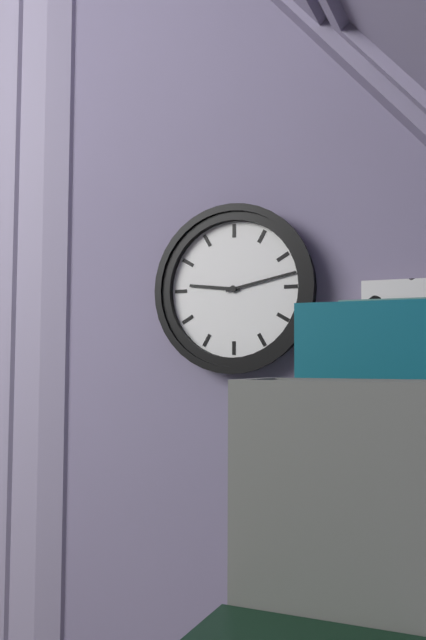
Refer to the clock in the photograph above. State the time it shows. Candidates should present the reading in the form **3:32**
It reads **9:13**
